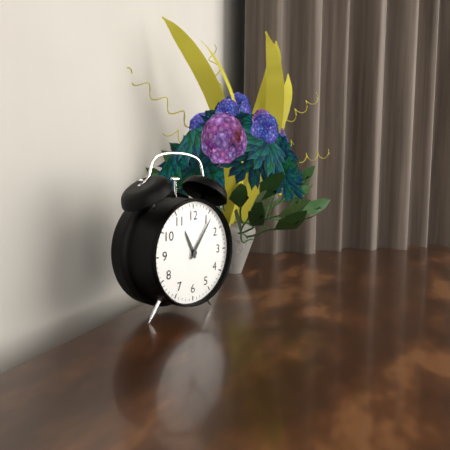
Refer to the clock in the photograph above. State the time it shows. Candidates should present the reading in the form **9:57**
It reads **11:06**
